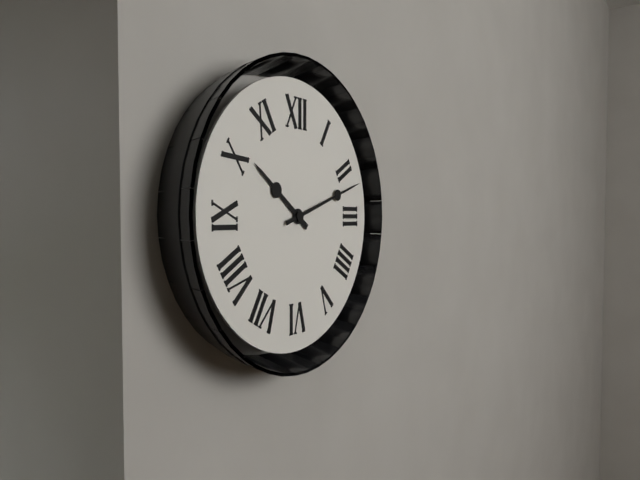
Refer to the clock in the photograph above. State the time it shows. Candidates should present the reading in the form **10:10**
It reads **10:12**
